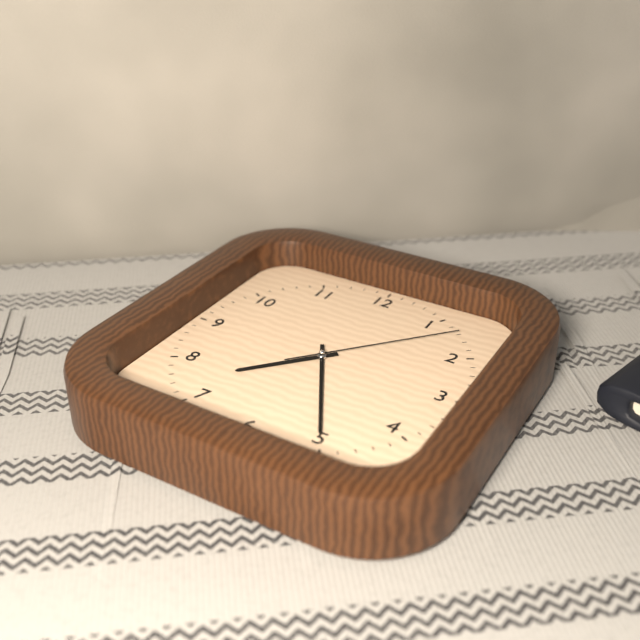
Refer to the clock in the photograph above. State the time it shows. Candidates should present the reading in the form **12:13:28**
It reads **7:25:07**
